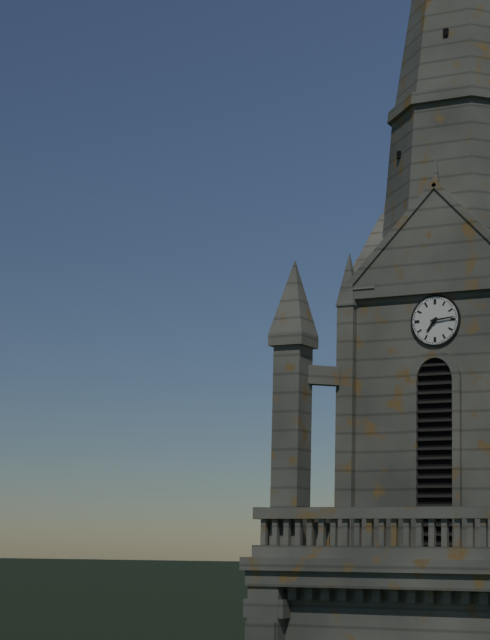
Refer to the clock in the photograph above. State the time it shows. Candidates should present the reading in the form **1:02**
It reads **7:14**
